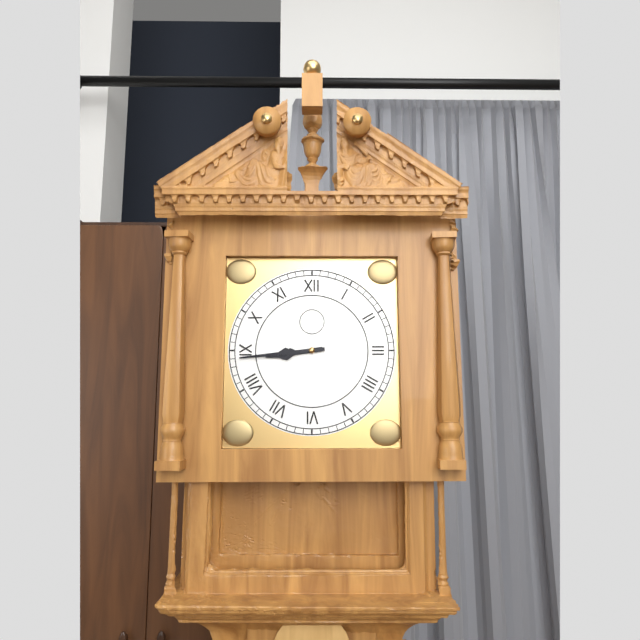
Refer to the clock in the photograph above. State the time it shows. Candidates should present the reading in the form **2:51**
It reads **8:44**
